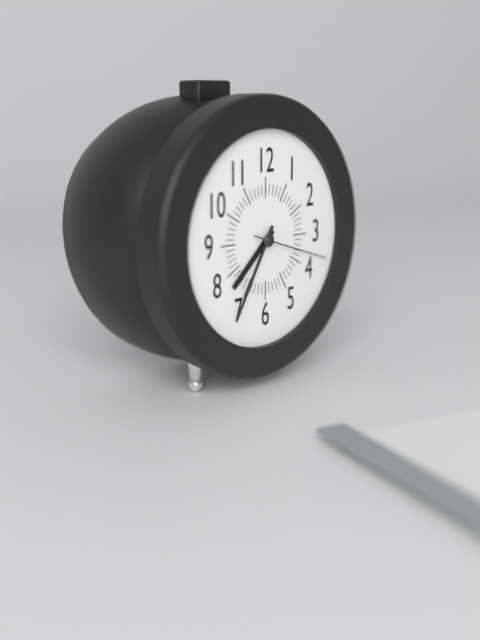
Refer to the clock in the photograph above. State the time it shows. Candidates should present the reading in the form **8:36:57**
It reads **7:35:18**
